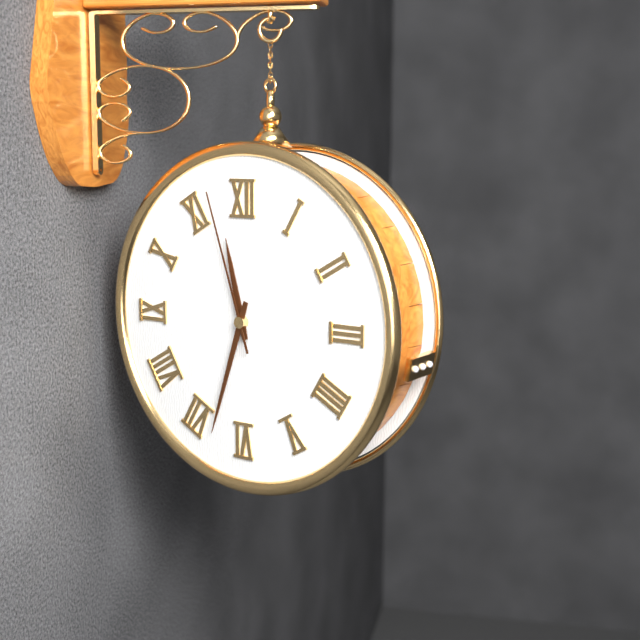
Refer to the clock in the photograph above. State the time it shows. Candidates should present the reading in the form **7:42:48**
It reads **11:33:57**
